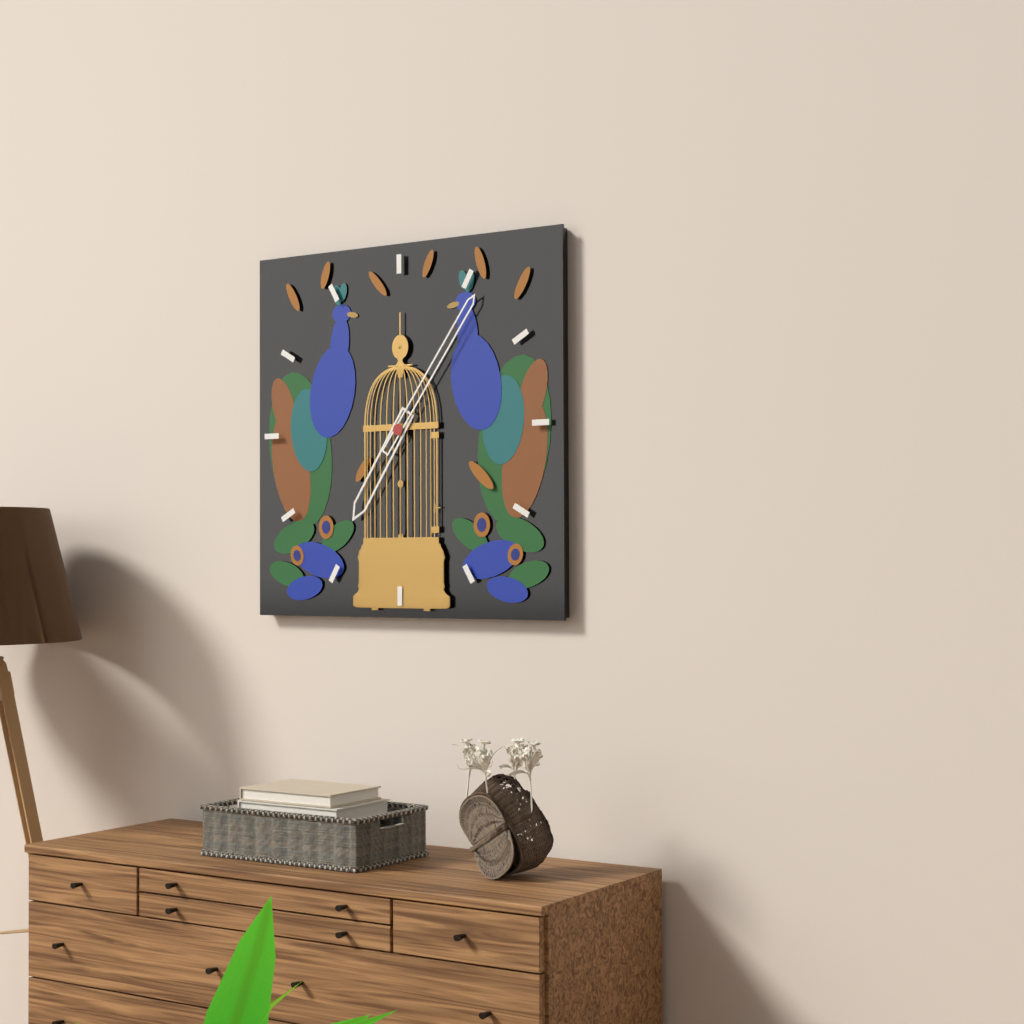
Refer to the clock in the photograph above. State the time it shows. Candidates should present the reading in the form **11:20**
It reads **7:06**
